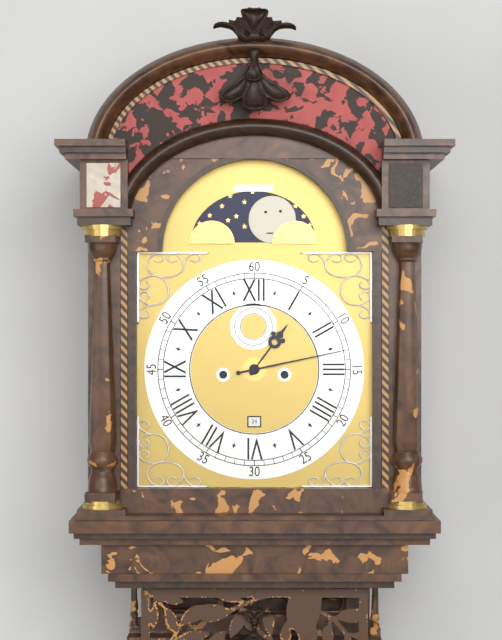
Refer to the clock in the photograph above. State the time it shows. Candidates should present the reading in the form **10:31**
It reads **1:13**
